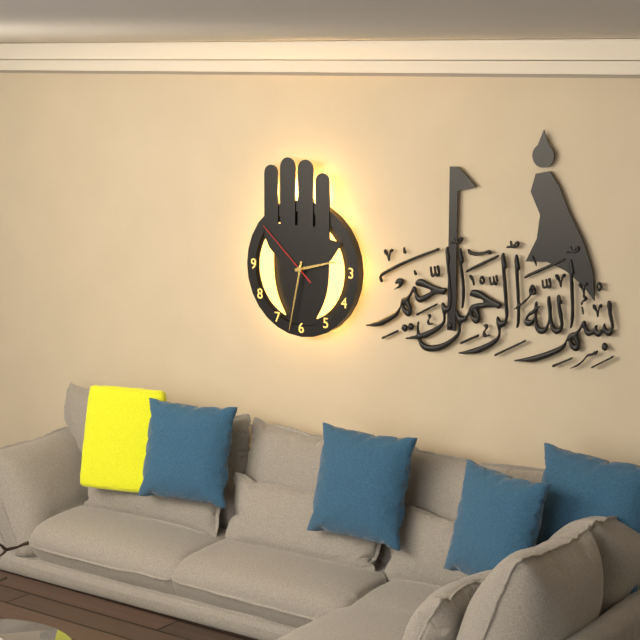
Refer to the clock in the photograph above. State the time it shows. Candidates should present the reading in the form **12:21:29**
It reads **2:32:52**
